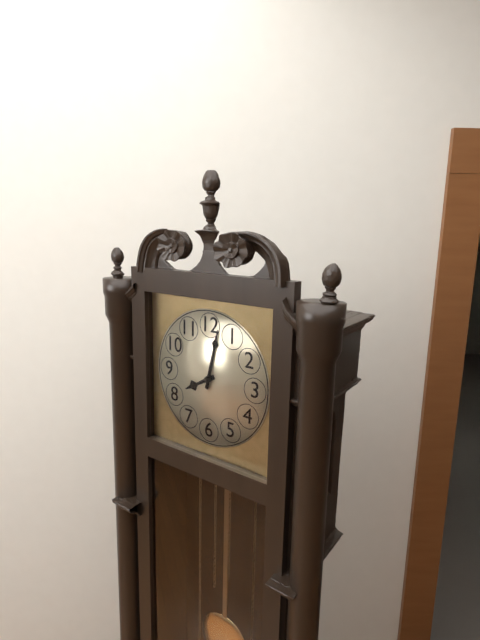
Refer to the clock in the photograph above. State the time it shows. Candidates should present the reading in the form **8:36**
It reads **8:02**
